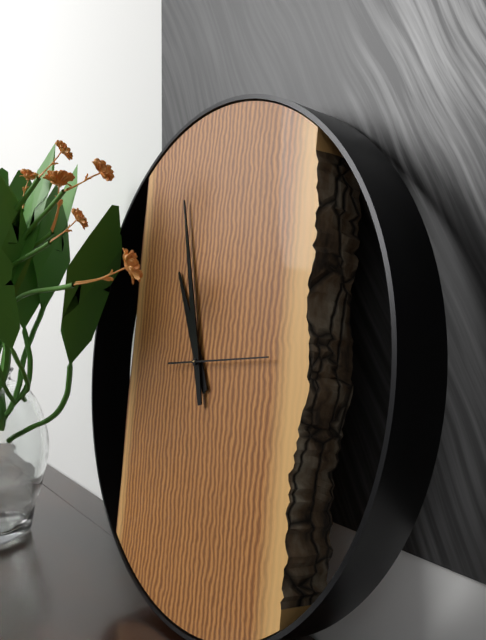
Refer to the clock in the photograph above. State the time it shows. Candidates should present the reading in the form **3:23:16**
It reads **10:57:14**
